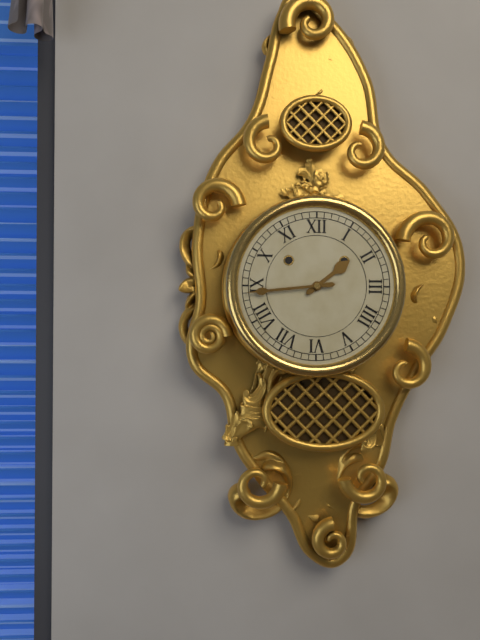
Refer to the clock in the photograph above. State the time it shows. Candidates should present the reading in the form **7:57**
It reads **1:44**
